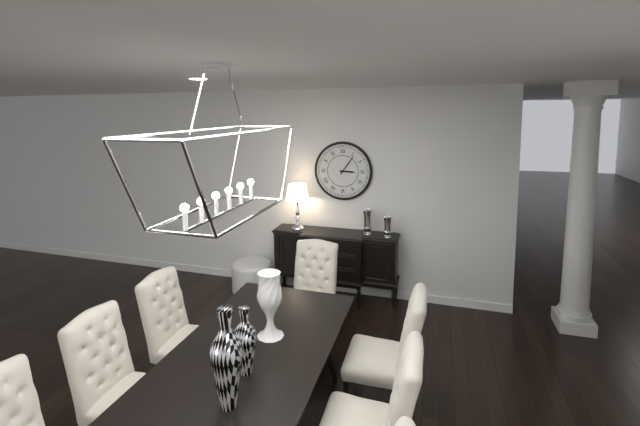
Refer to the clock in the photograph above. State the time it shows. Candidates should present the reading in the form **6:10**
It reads **3:06**
